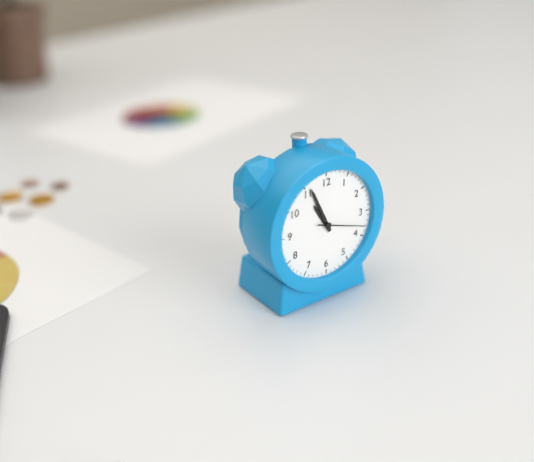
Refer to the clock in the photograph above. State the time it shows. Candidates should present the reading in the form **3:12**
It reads **10:56**
